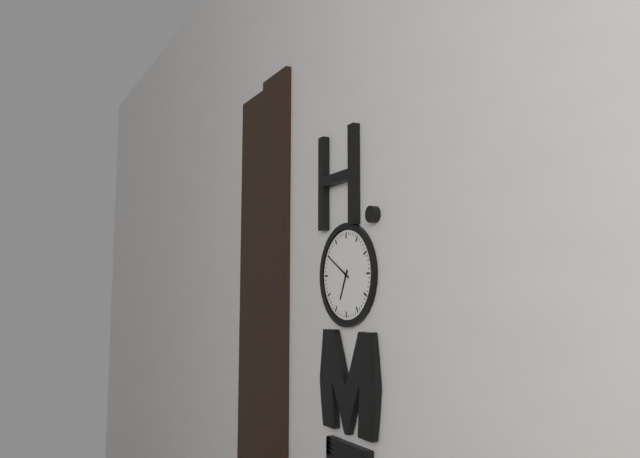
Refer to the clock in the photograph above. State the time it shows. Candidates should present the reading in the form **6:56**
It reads **6:50**
